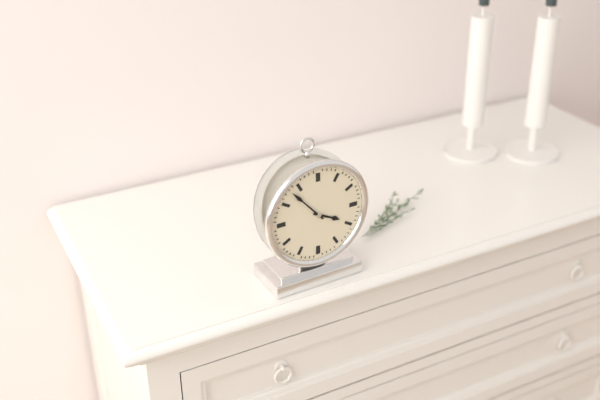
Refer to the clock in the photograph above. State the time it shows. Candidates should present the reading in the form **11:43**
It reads **3:53**
